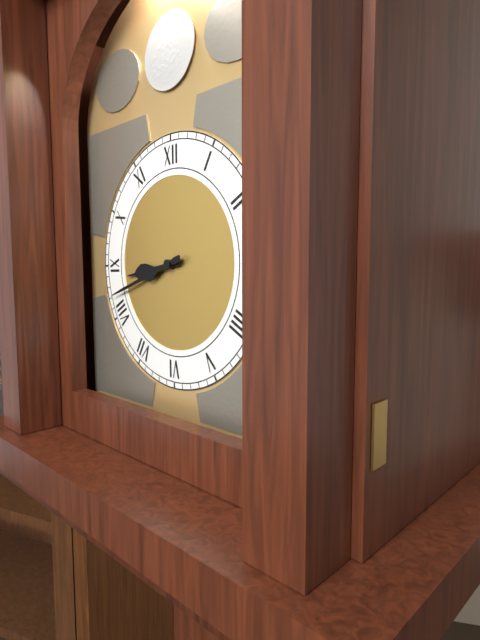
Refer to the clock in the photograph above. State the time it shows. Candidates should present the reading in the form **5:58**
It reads **8:42**
